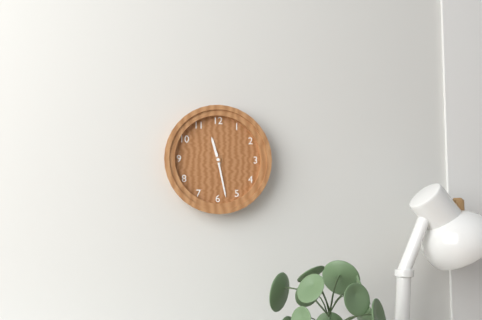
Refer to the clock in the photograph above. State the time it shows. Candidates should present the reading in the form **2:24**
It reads **11:28**
